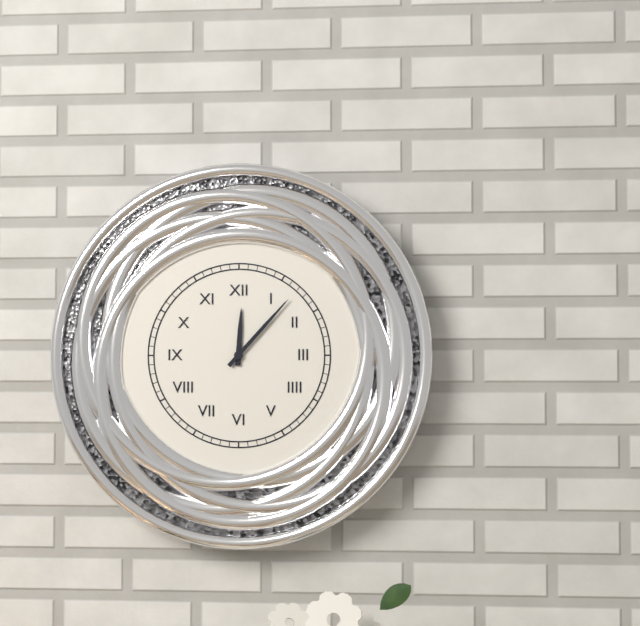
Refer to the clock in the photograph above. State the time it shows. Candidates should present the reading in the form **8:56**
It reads **12:07**
